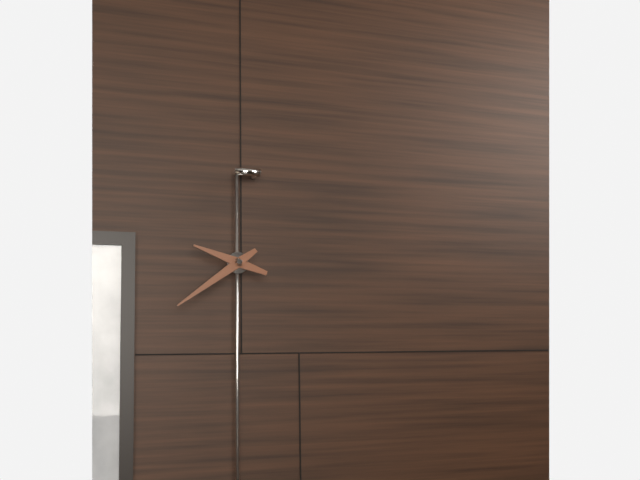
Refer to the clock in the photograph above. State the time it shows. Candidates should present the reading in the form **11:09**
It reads **9:39**
